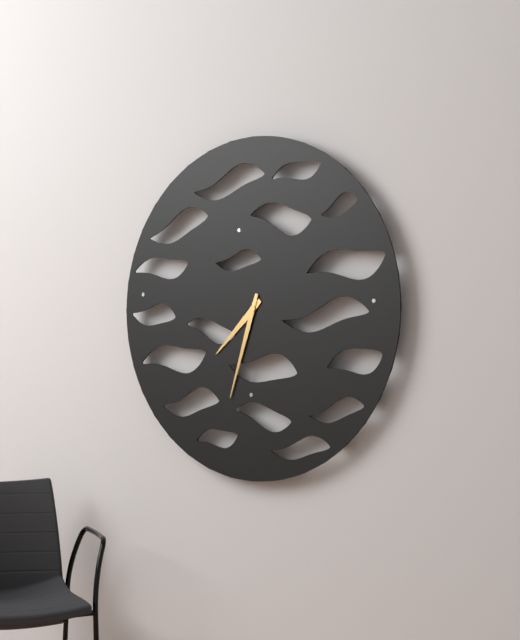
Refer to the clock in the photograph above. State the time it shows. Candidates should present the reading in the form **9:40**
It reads **7:33**
